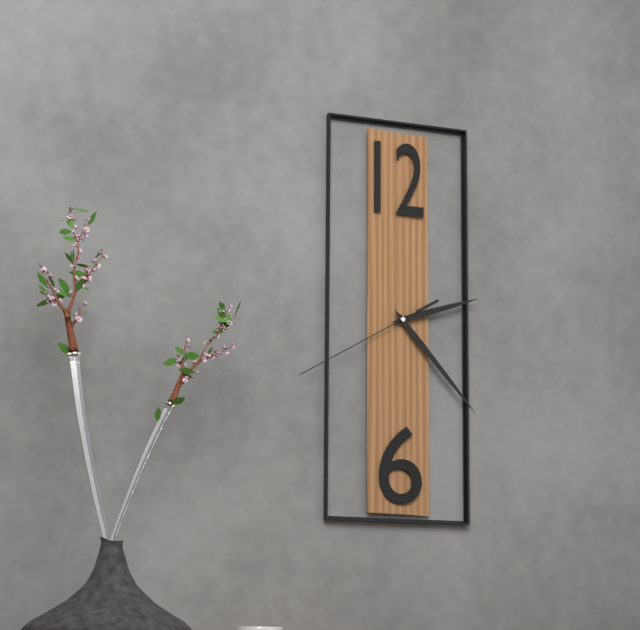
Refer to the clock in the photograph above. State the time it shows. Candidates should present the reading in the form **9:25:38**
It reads **2:23:40**
